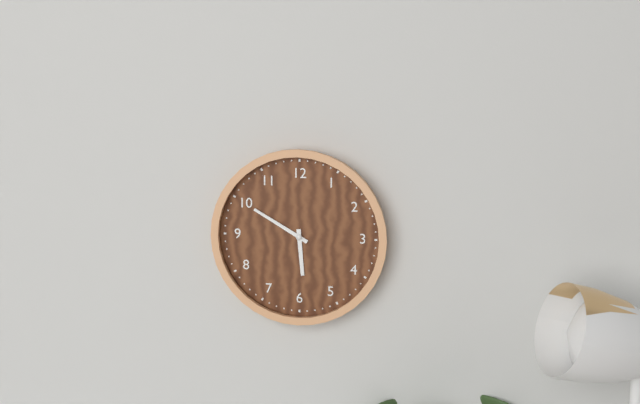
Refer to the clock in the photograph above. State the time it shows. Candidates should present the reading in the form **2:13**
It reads **5:50**
